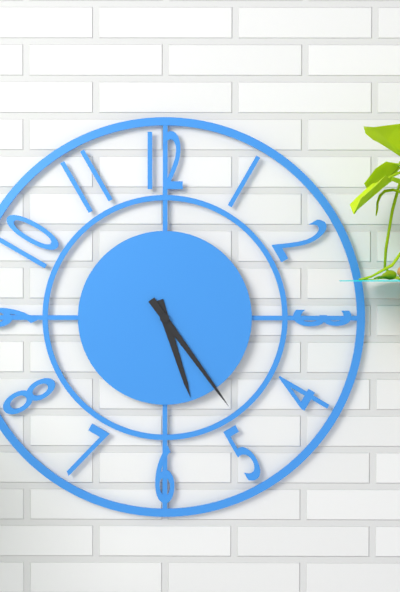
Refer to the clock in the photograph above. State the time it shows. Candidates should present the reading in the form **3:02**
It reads **5:24**
